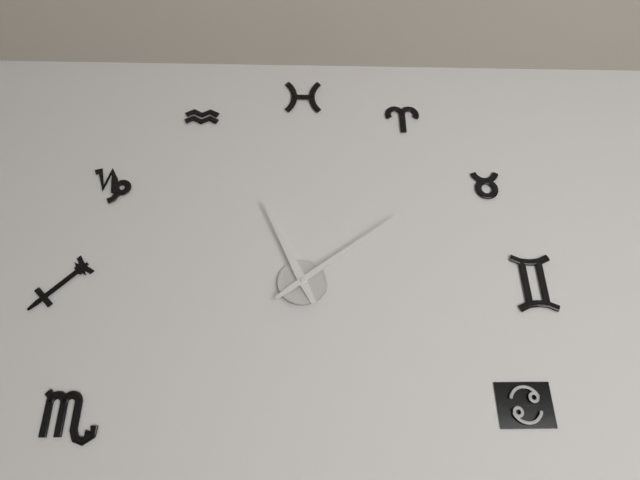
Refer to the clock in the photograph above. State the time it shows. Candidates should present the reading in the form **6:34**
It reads **11:09**
